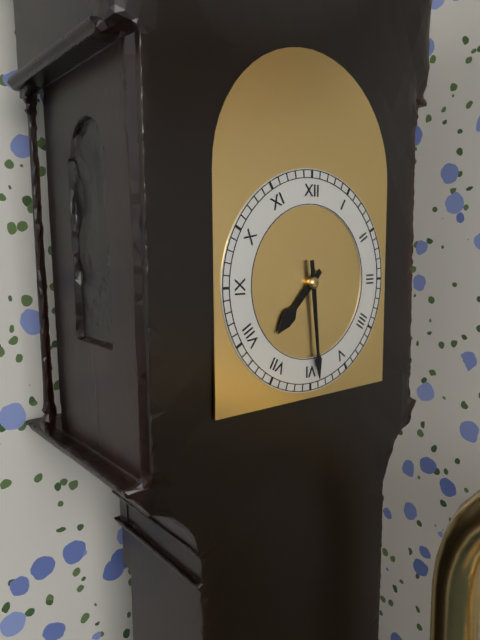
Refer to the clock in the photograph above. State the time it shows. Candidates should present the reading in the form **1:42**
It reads **7:29**
